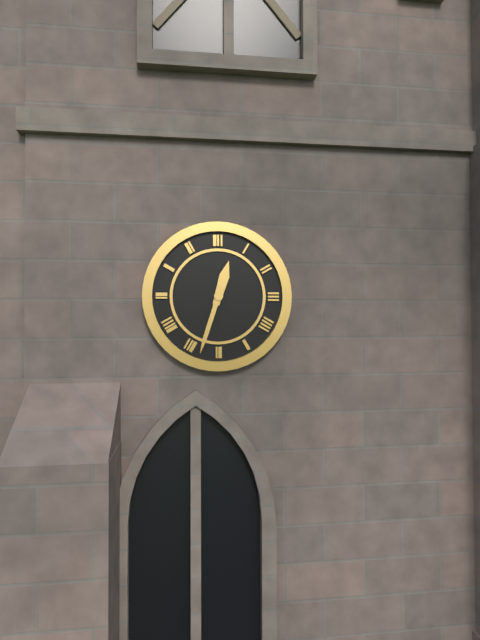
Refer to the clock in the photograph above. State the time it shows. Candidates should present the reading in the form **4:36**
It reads **12:33**
